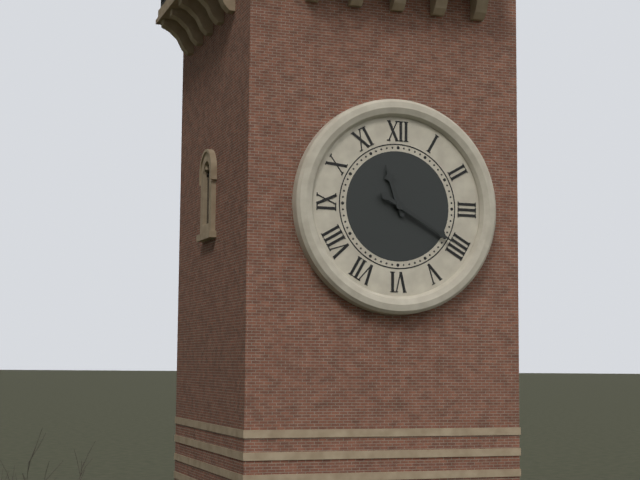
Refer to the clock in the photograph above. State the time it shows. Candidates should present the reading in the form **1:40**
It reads **11:20**
